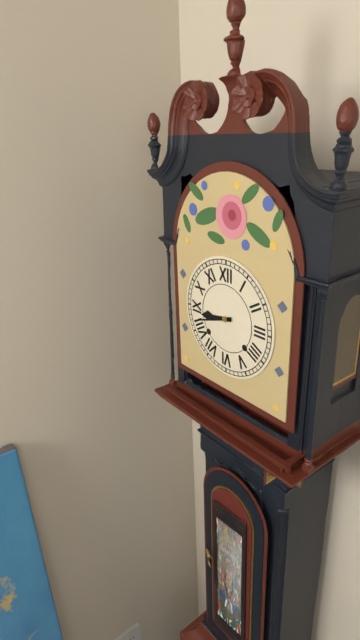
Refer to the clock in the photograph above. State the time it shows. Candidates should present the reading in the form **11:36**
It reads **8:42**
